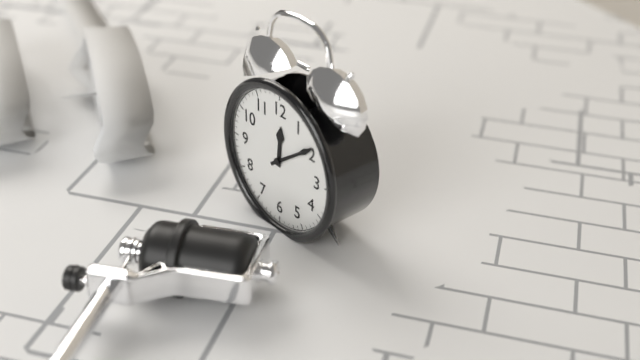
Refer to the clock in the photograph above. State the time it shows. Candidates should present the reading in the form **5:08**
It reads **12:09**
